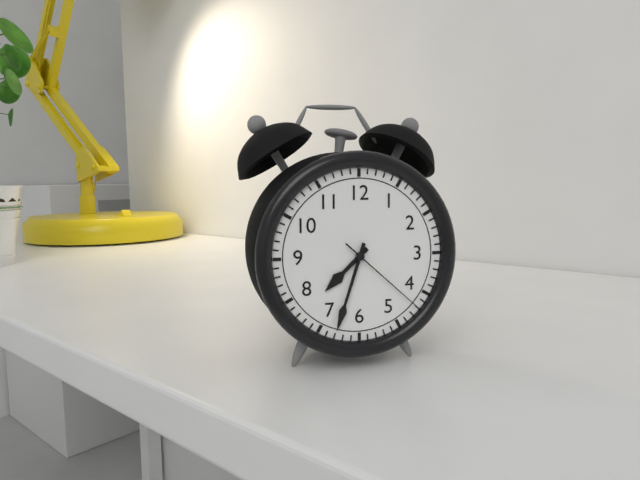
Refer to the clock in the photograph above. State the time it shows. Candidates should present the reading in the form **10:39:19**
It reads **7:33:22**
